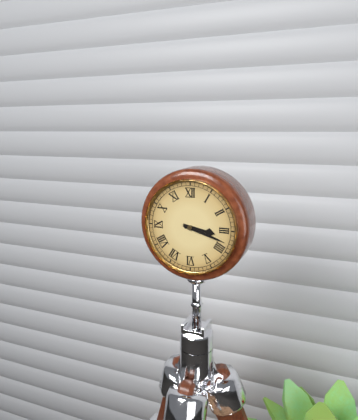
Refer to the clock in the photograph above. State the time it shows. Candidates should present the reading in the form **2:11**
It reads **3:18**
